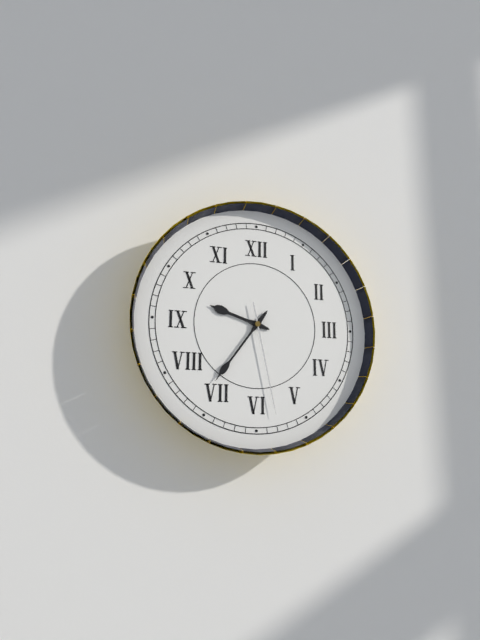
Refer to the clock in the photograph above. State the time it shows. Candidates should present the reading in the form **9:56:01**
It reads **9:36:28**
